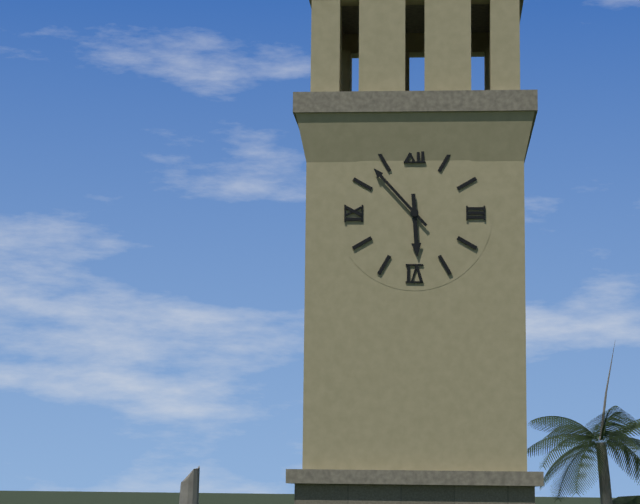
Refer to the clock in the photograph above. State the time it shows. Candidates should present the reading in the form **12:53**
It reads **5:53**
